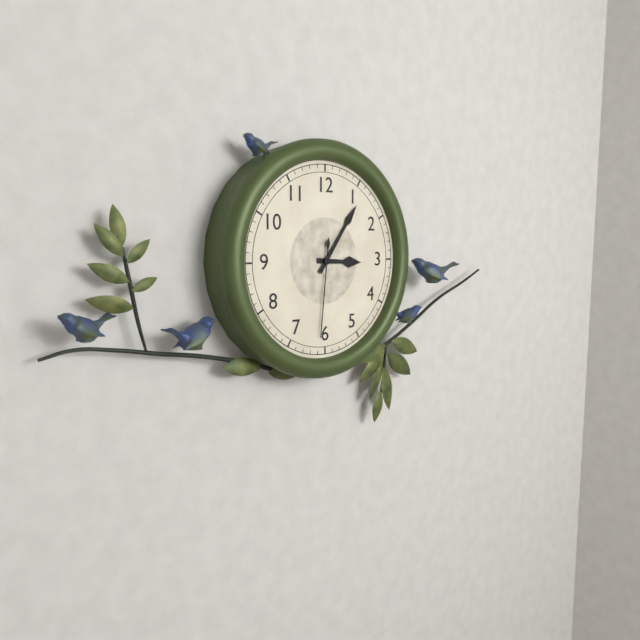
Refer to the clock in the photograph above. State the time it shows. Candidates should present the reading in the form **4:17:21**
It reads **3:06:31**
